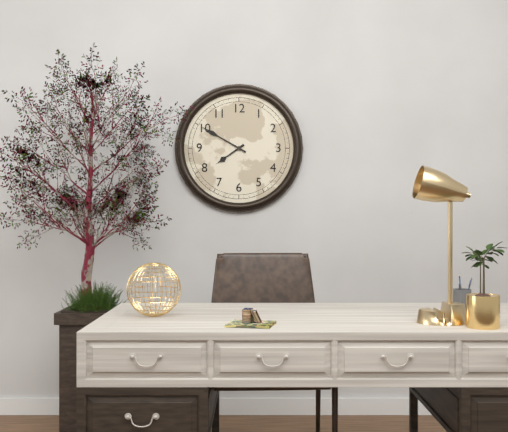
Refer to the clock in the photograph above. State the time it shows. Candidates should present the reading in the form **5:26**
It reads **7:50**
